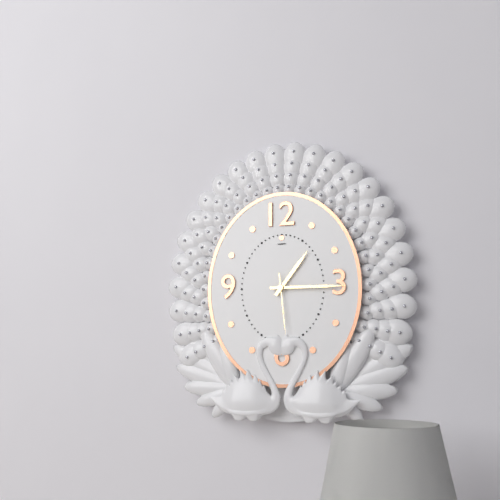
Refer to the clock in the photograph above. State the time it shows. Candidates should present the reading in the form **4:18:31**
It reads **1:15:29**
